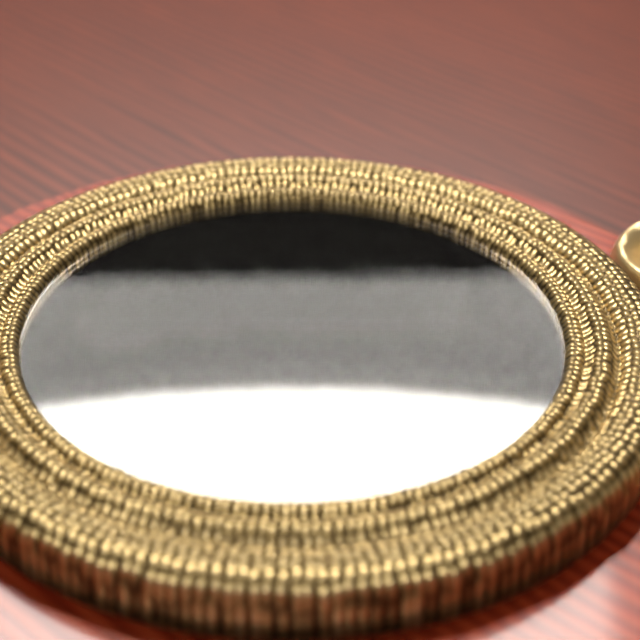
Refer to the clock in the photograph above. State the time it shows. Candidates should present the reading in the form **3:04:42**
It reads **7:24:42**
